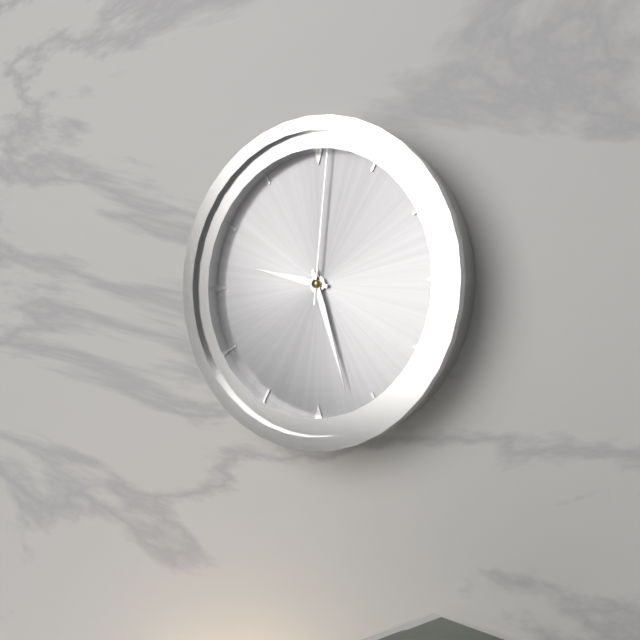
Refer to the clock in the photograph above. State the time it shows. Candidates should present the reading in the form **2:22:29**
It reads **9:27:01**
